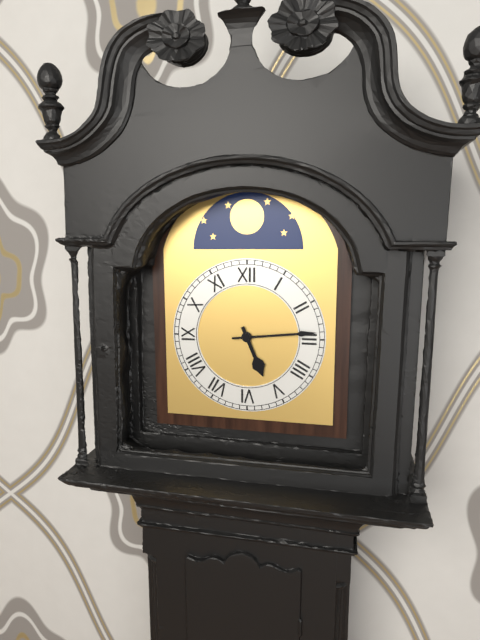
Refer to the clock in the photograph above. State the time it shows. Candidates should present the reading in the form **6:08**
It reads **5:14**
